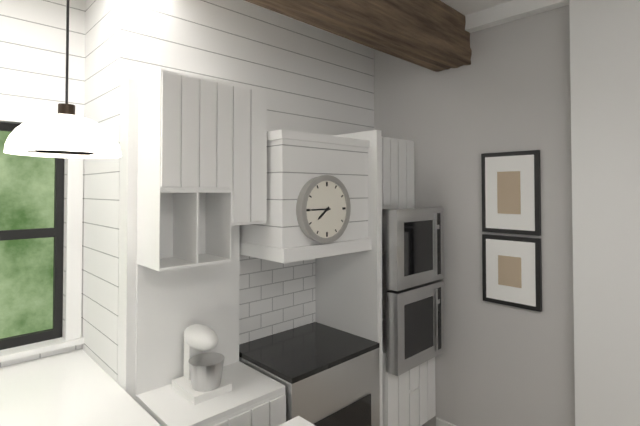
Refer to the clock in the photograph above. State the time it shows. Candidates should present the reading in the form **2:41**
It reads **7:45**
